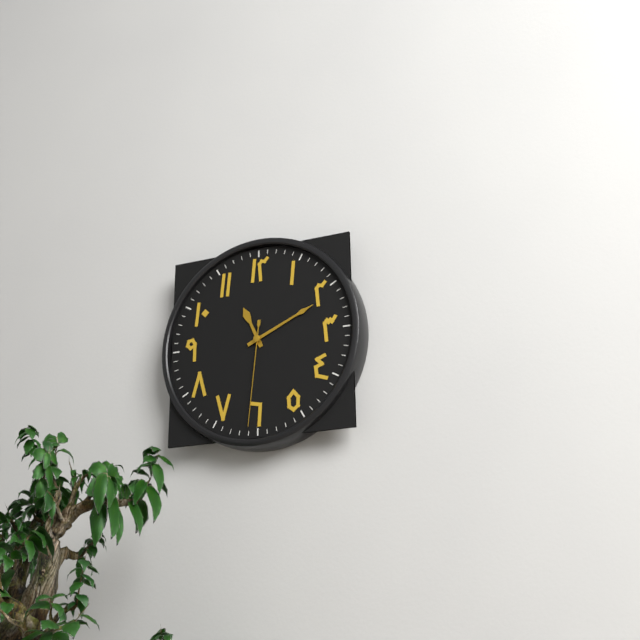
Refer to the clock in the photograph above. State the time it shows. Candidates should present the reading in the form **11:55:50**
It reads **11:11:31**
